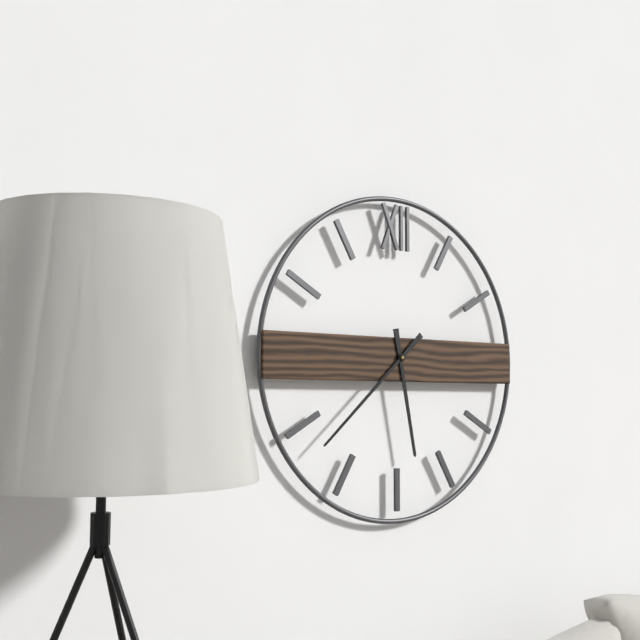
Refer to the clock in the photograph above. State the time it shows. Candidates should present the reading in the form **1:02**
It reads **5:38**
